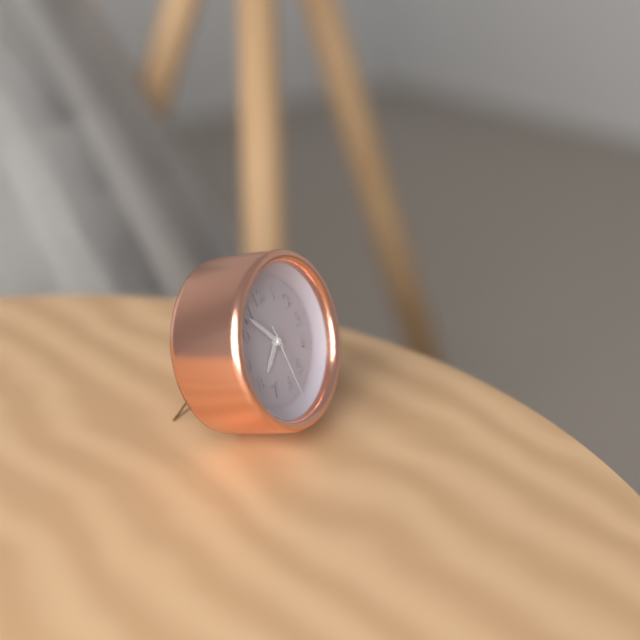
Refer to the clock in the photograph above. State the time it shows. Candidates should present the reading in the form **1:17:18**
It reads **7:54:29**
